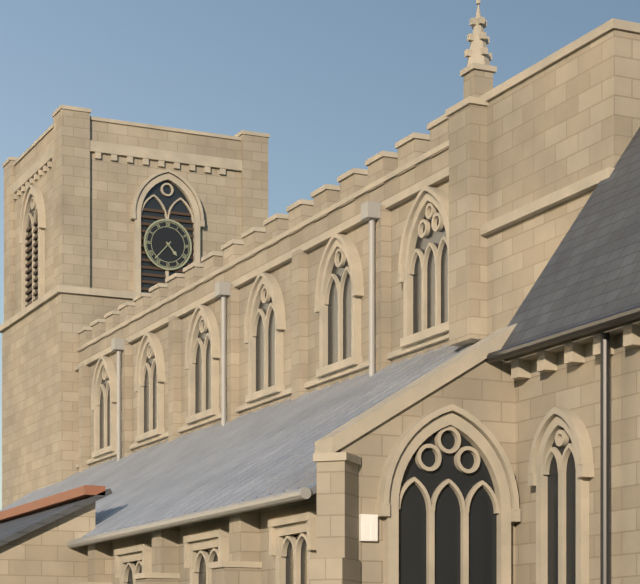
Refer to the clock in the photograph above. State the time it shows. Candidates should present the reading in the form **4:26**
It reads **4:37**
